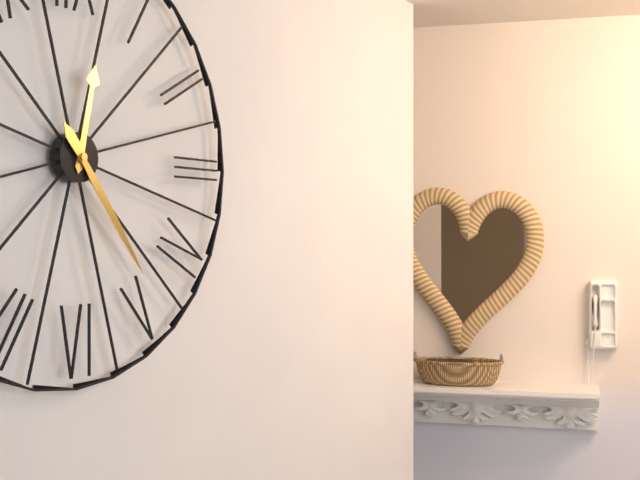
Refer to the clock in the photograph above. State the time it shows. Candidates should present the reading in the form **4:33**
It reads **12:24**
